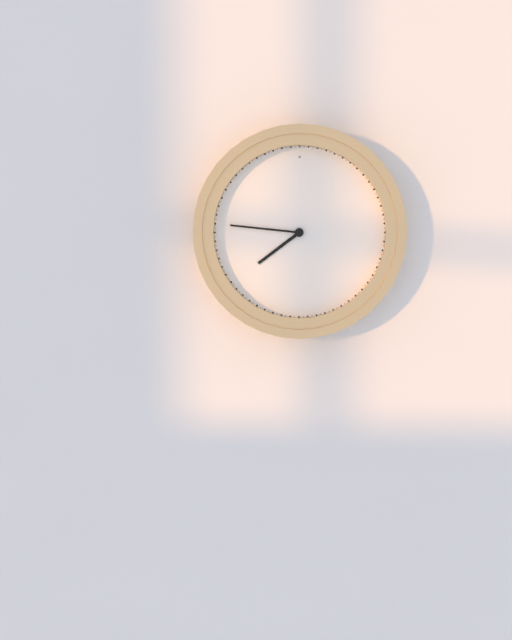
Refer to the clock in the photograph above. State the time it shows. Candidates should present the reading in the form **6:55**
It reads **7:46**
